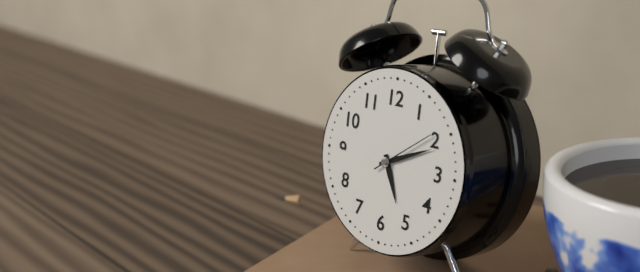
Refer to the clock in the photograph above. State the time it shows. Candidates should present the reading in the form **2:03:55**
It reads **5:11:09**
